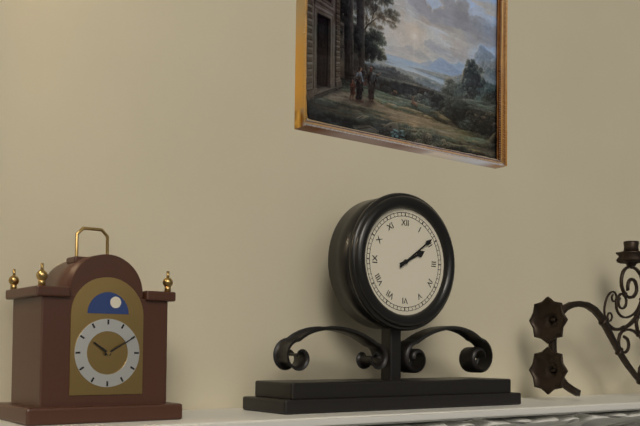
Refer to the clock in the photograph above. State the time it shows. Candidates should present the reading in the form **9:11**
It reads **2:09**
